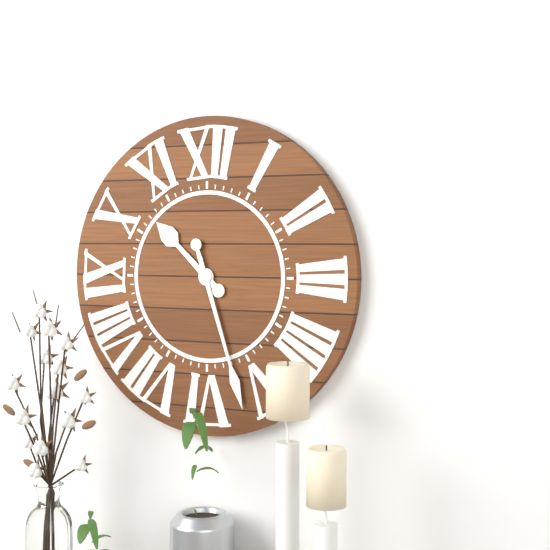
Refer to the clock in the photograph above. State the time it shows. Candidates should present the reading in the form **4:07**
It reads **10:27**
